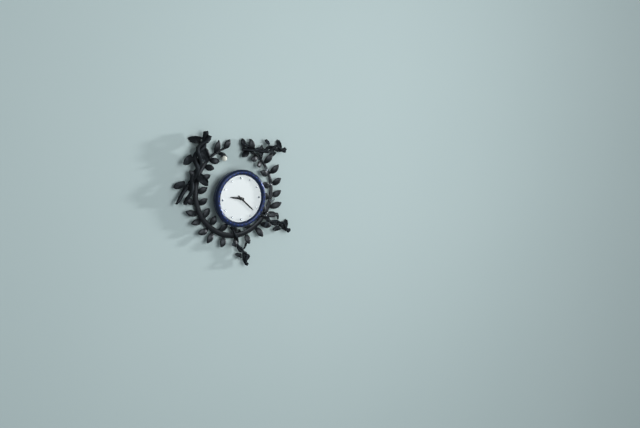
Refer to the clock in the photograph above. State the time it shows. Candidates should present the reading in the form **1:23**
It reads **9:22**
